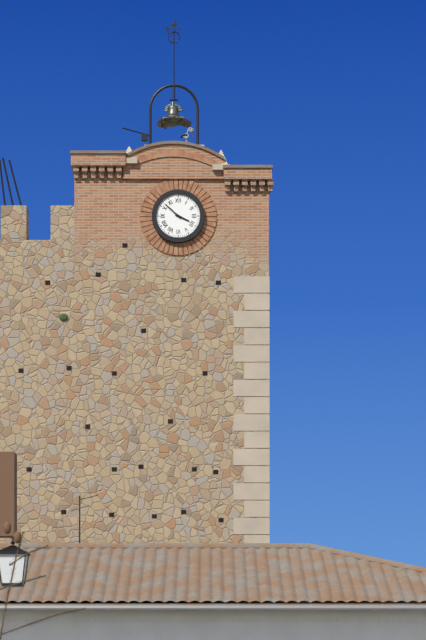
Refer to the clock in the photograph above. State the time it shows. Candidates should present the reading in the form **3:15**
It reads **3:52**
